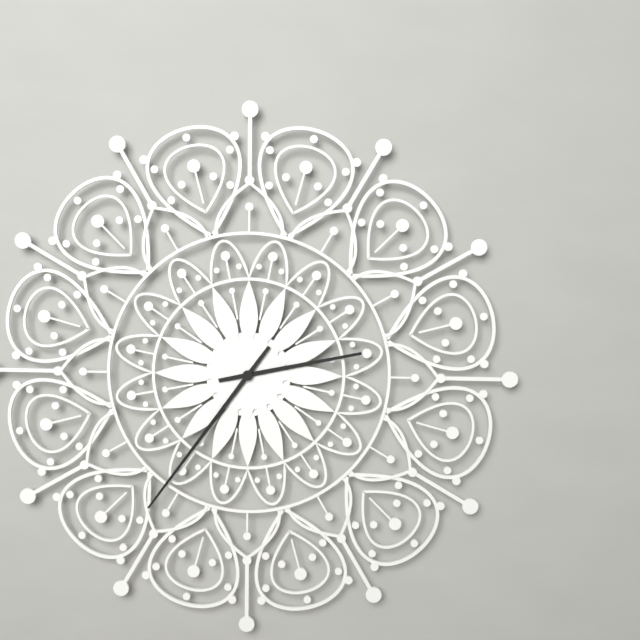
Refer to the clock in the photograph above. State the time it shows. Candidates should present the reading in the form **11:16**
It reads **2:36**
